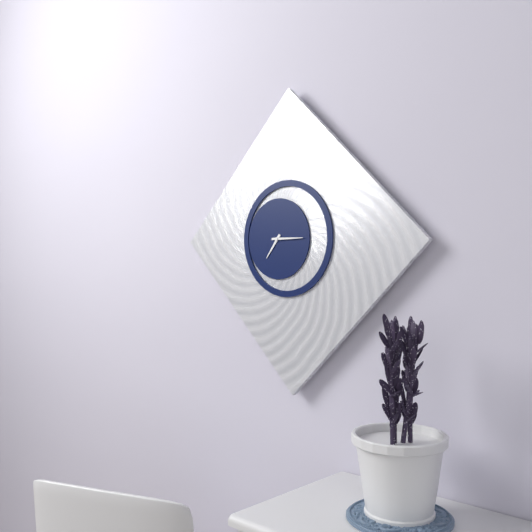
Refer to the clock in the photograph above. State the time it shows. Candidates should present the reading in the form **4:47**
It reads **7:15**
